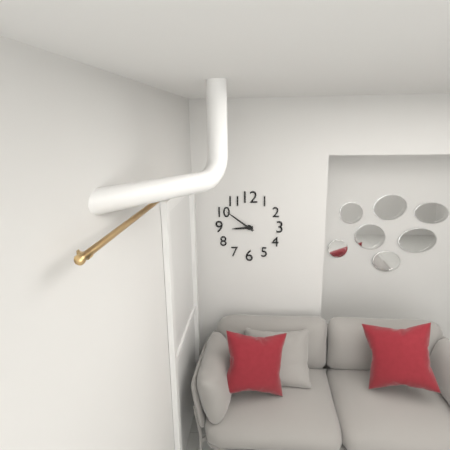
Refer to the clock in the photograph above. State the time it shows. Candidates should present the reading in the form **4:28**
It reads **8:51**
